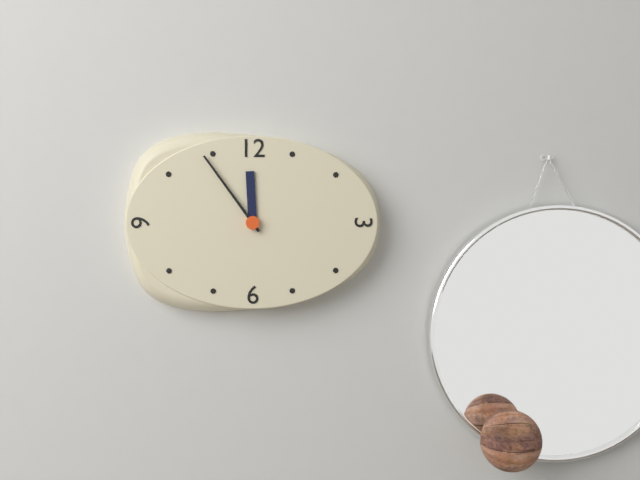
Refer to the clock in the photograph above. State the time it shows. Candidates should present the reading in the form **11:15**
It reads **11:54**
